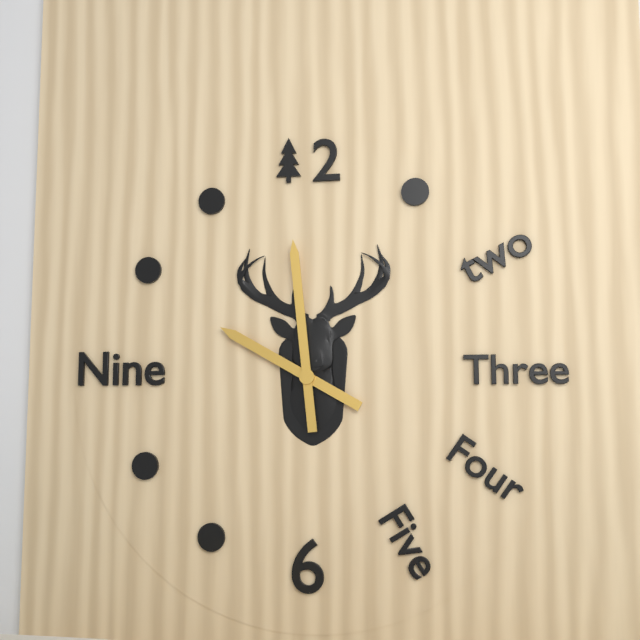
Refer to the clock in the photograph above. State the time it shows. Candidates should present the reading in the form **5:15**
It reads **9:59**
